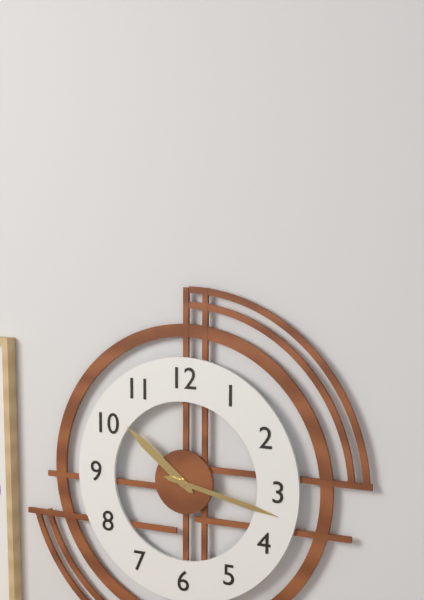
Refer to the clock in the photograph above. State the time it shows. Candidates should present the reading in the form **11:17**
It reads **10:17**
